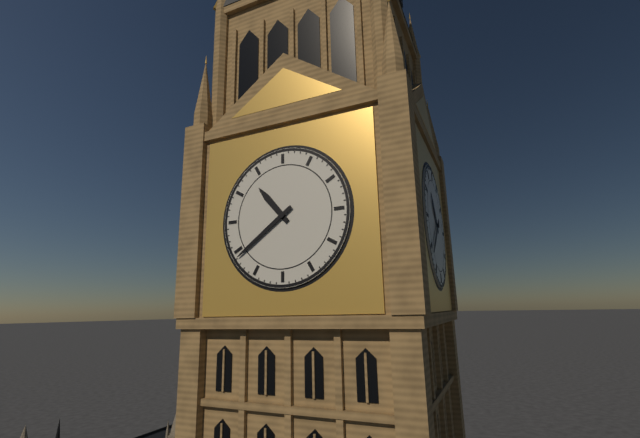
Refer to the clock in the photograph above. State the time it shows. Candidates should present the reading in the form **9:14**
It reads **10:39**
